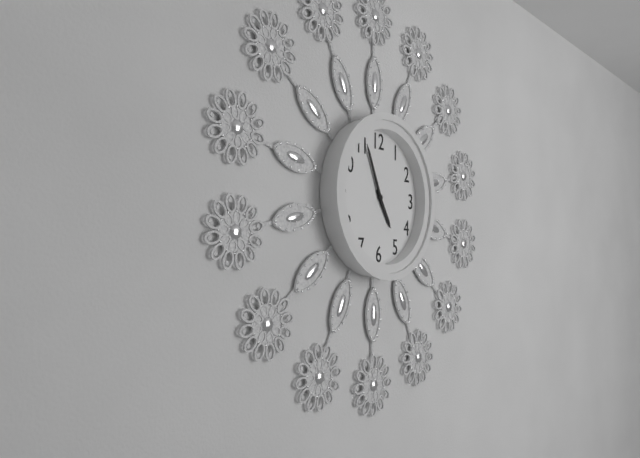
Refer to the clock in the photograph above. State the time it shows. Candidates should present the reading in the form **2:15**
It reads **4:56**
